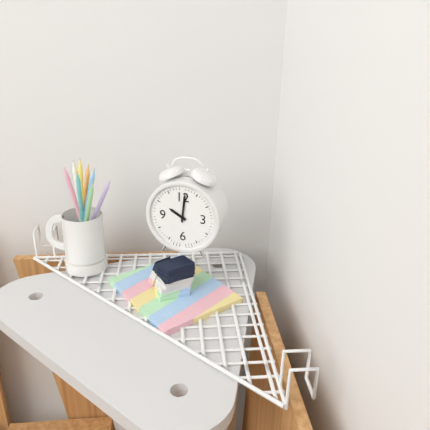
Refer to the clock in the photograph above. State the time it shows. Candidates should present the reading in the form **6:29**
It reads **10:01**
